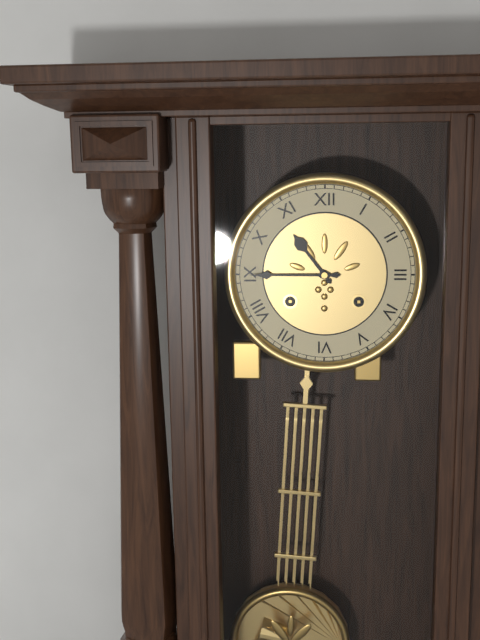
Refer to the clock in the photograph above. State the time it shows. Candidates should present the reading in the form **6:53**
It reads **10:45**
